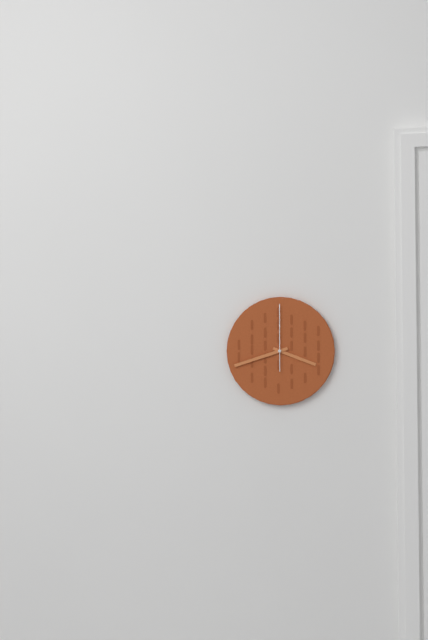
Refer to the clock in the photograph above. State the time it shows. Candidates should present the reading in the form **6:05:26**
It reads **3:42:00**
